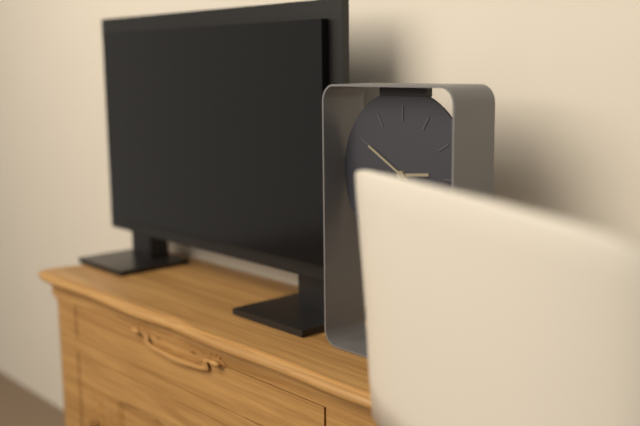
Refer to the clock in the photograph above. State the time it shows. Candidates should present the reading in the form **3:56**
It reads **2:50**
